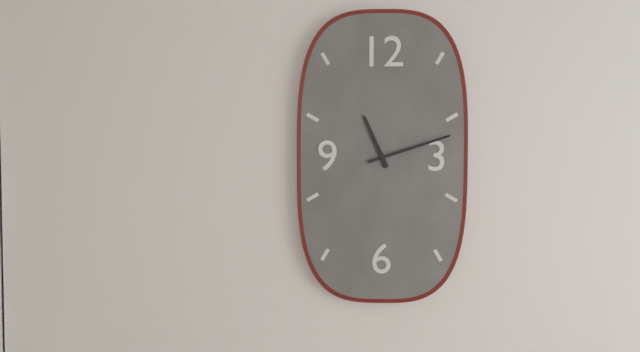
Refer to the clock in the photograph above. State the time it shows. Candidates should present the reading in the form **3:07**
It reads **11:12**
